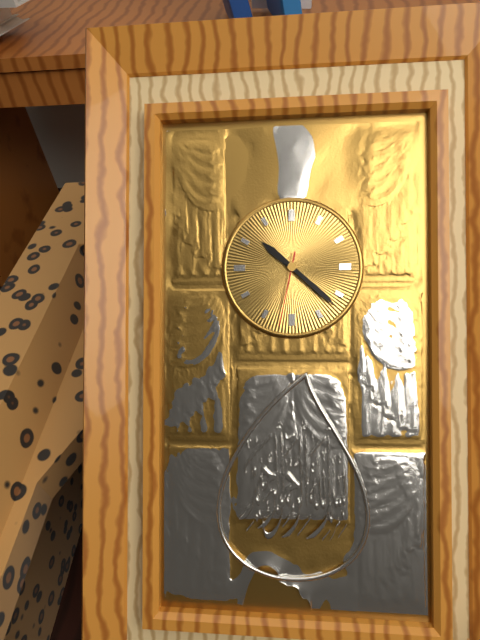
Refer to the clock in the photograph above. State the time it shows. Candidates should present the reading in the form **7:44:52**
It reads **10:22:32**
